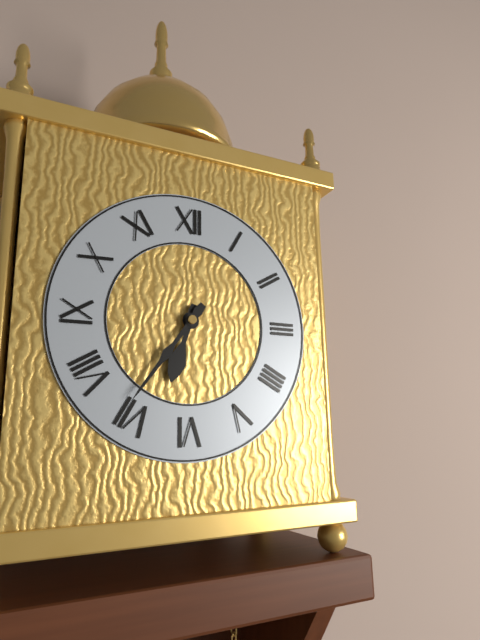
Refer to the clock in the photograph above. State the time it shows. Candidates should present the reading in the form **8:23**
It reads **6:36**
